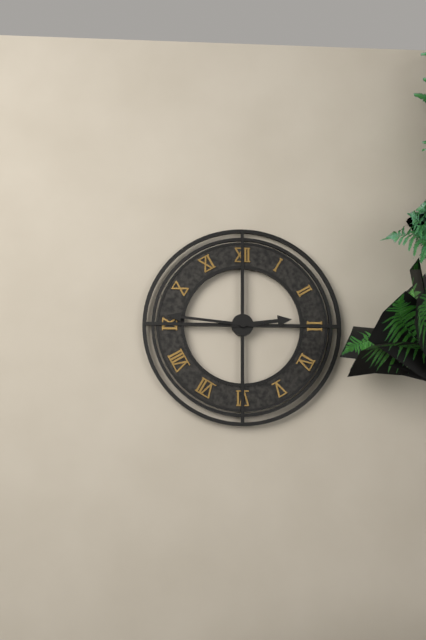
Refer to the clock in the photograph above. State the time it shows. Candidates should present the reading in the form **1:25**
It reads **2:46**
